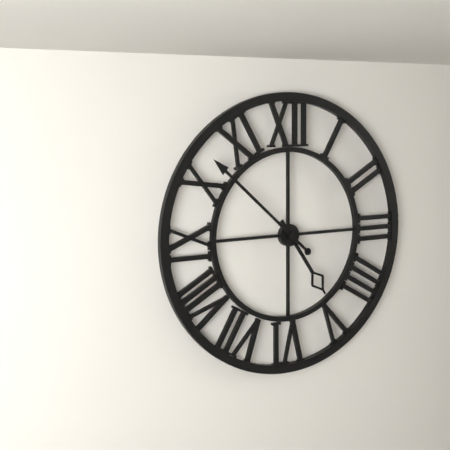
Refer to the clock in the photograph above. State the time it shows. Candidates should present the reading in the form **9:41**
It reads **4:52**
